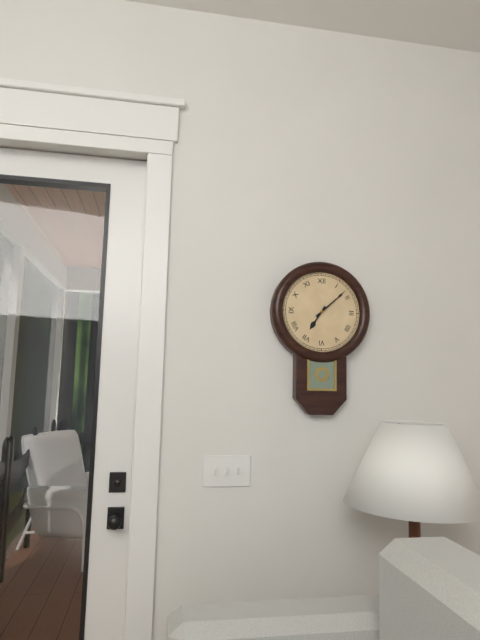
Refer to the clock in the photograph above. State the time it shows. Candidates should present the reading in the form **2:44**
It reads **7:08**
